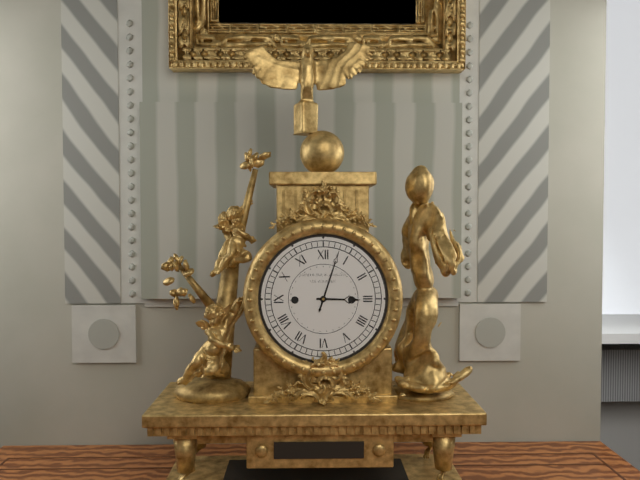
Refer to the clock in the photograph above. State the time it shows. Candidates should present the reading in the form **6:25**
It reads **3:03**
